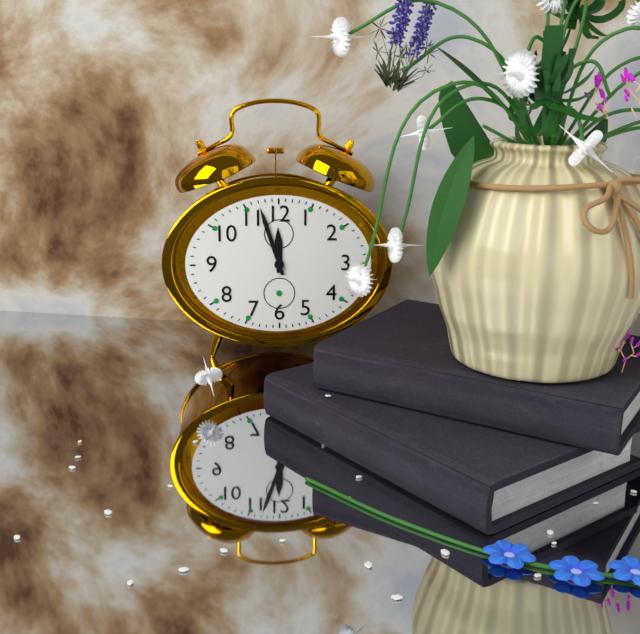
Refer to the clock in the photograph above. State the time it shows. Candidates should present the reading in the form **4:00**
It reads **11:57**
